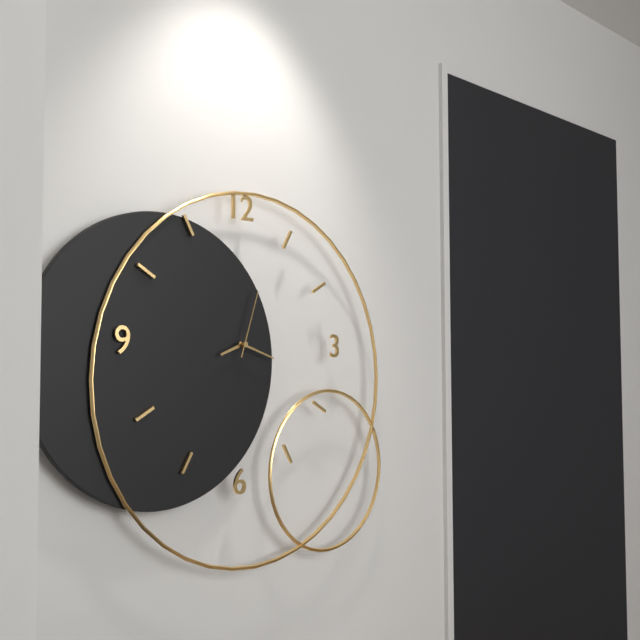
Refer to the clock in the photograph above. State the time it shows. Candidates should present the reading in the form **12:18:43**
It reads **8:18:03**
